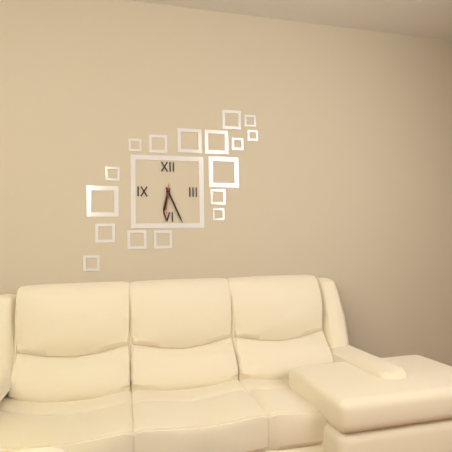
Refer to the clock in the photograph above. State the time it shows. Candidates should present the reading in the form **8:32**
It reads **6:26**
